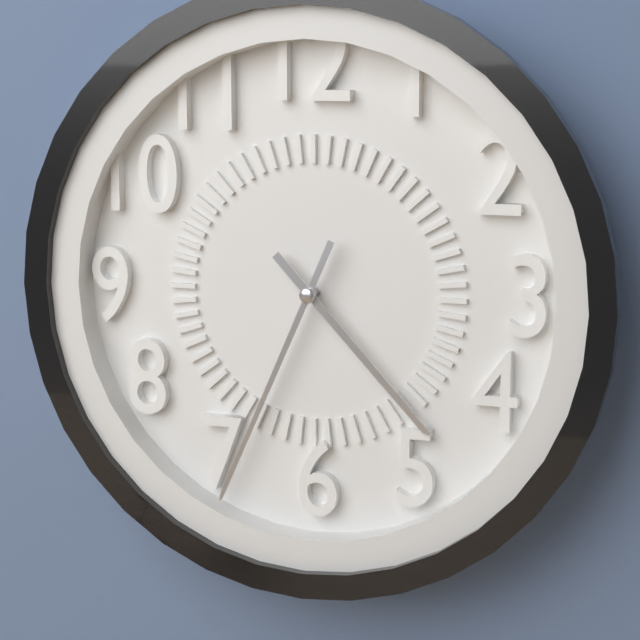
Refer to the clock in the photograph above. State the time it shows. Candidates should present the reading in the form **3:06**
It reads **4:34**
